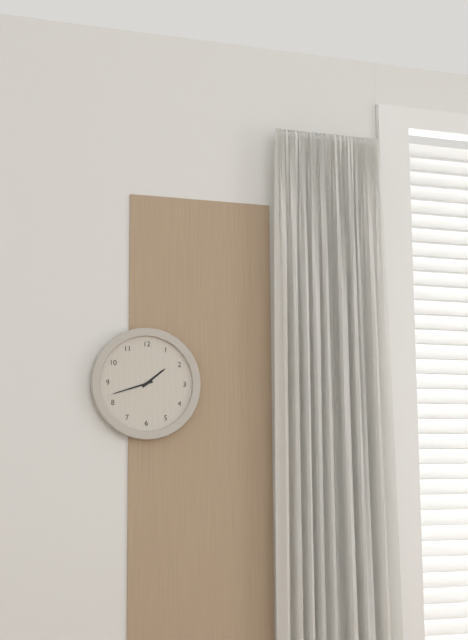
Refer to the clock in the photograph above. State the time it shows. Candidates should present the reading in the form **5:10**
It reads **1:42**
